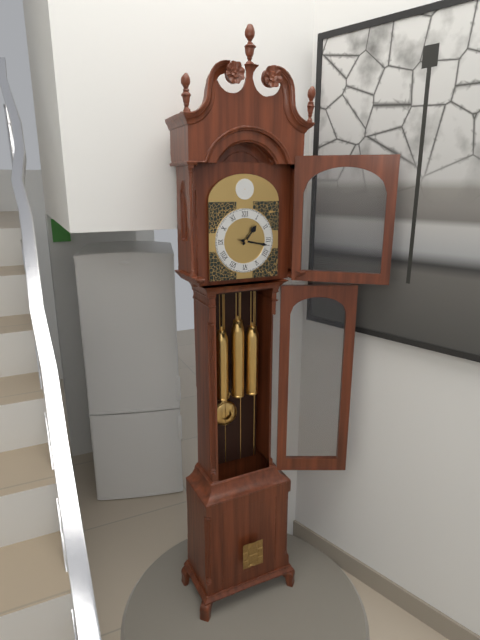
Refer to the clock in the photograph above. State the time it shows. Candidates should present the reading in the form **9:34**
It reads **1:17**
